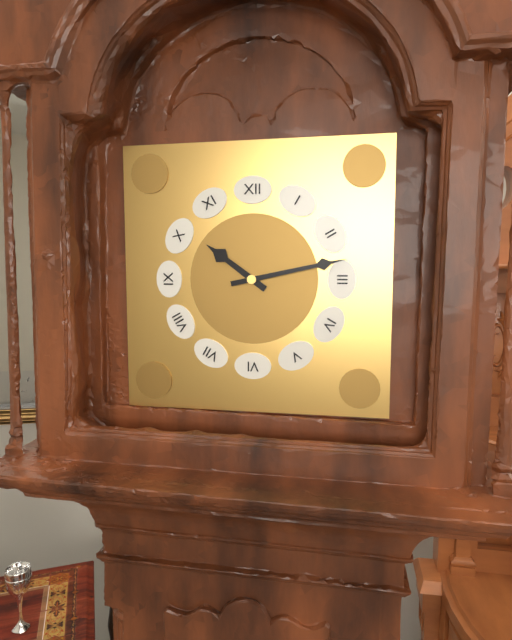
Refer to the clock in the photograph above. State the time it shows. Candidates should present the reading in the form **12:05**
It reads **10:13**
